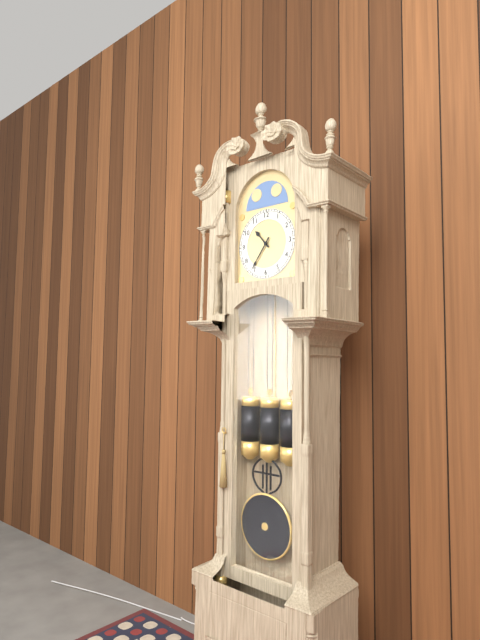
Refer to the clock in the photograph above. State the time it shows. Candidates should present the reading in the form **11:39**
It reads **10:36**
